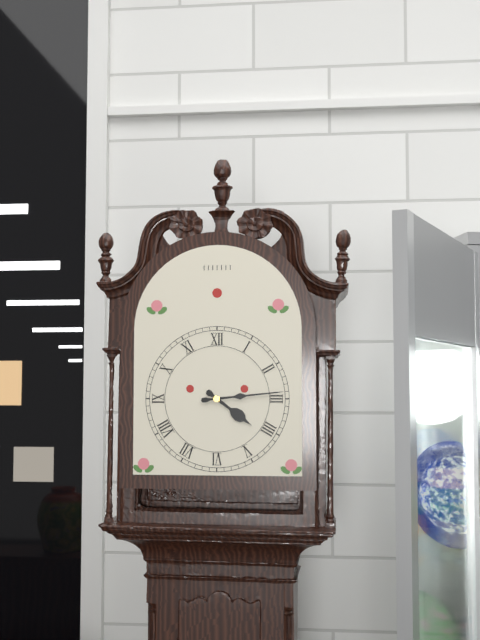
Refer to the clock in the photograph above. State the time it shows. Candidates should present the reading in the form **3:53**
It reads **4:14**
